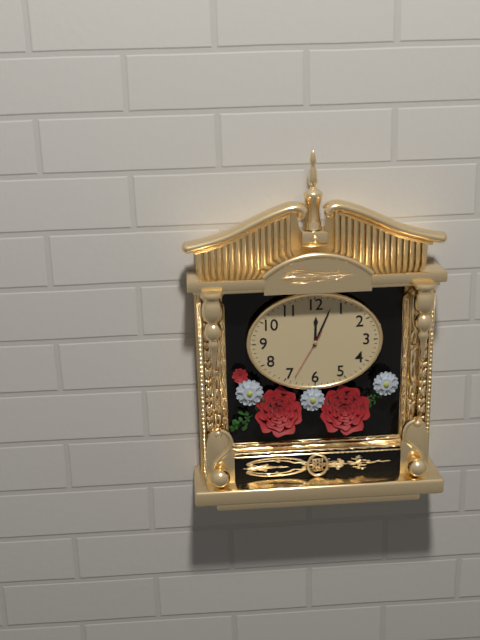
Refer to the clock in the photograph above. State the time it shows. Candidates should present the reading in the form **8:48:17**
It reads **12:04:35**
